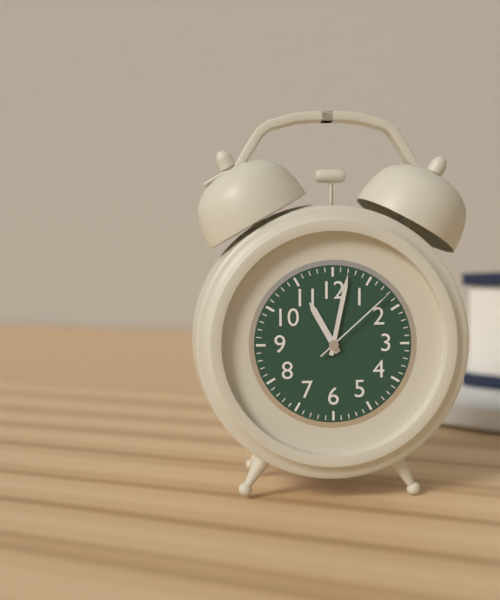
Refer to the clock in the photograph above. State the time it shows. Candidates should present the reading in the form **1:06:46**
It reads **11:02:08**
